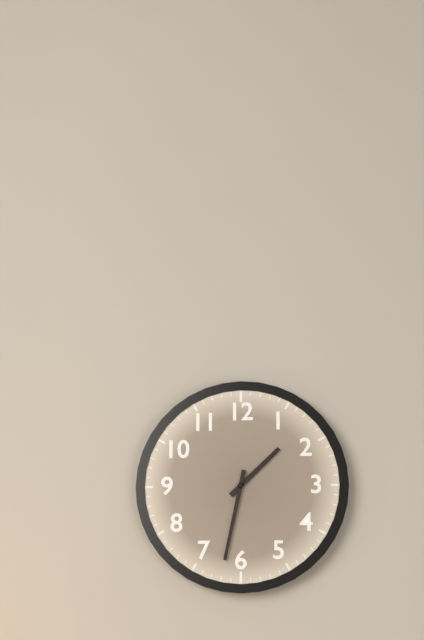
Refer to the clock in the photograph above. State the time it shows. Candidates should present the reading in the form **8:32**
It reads **1:32**
